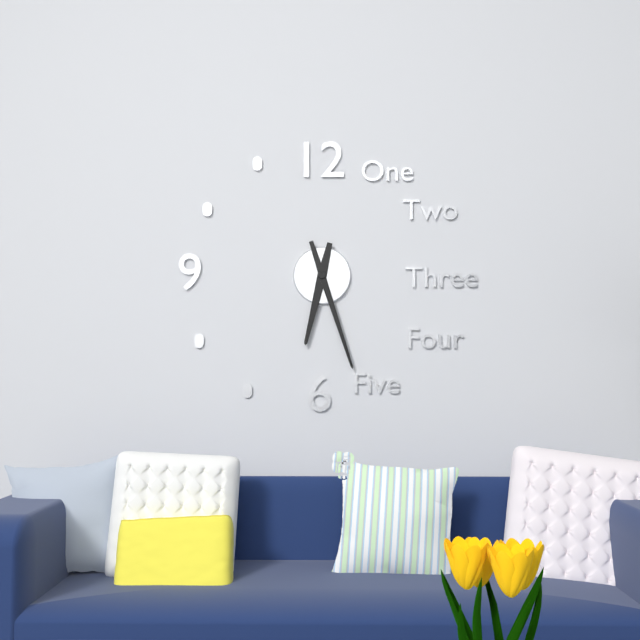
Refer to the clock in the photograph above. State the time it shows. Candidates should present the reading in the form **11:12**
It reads **6:27**
